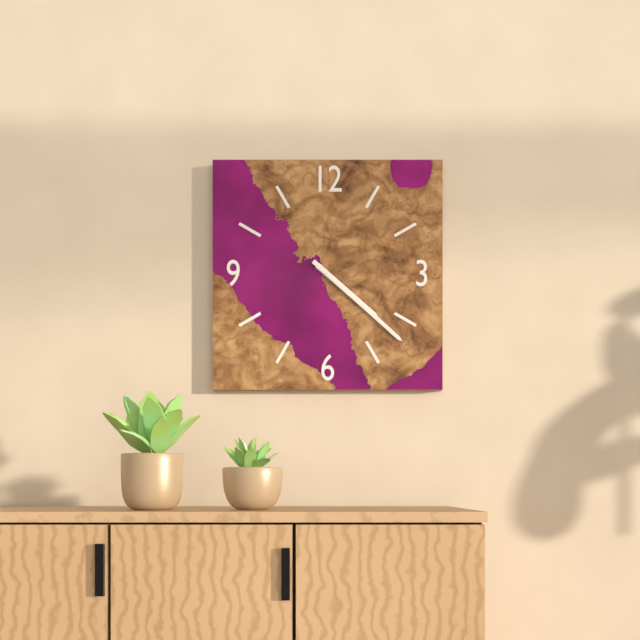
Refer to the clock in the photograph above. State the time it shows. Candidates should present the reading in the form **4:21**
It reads **4:22**
